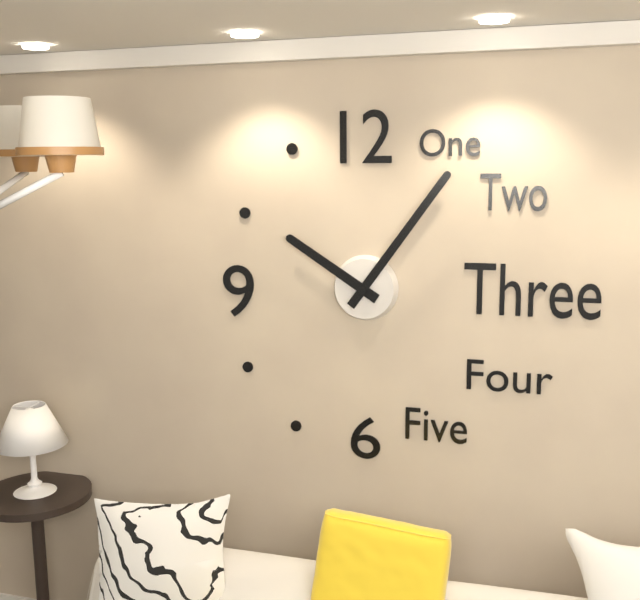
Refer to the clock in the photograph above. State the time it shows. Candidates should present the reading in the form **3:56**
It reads **10:06**
